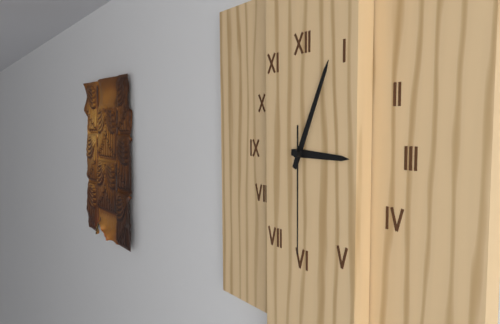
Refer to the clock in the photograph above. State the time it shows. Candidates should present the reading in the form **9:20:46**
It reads **3:04:30**
